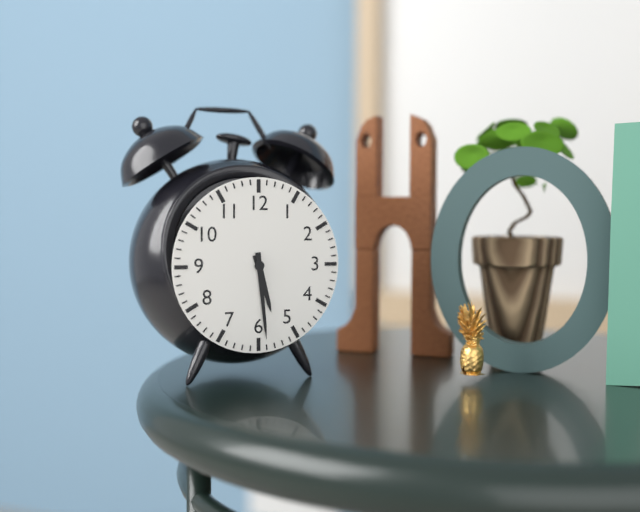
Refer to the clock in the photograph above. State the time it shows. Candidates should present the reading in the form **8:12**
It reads **5:29**
